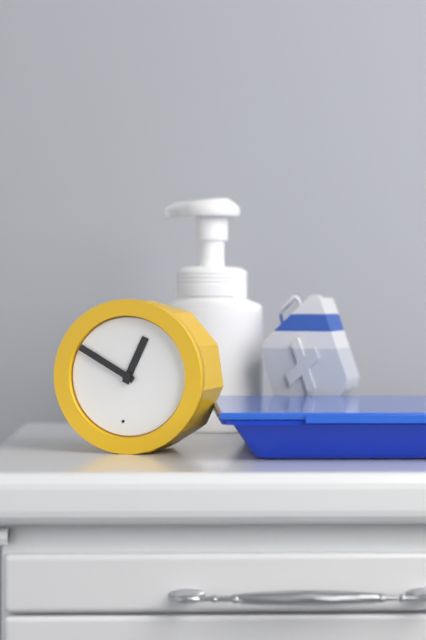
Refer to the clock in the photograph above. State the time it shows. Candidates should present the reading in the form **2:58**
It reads **12:50**
